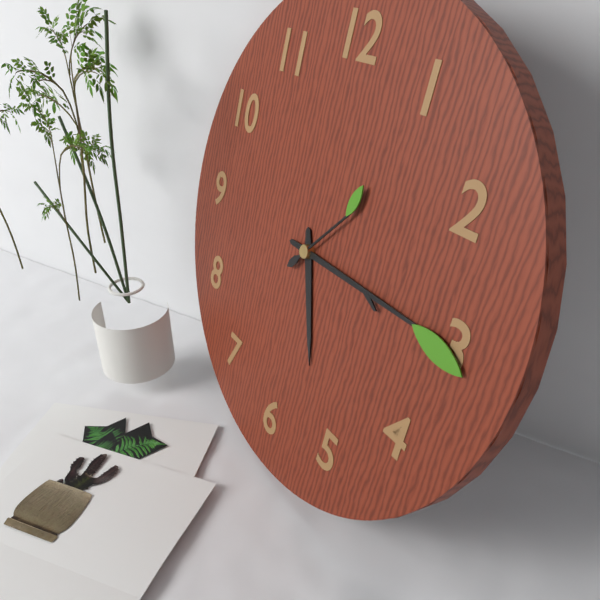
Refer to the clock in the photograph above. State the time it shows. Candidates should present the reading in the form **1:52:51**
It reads **5:15:07**
